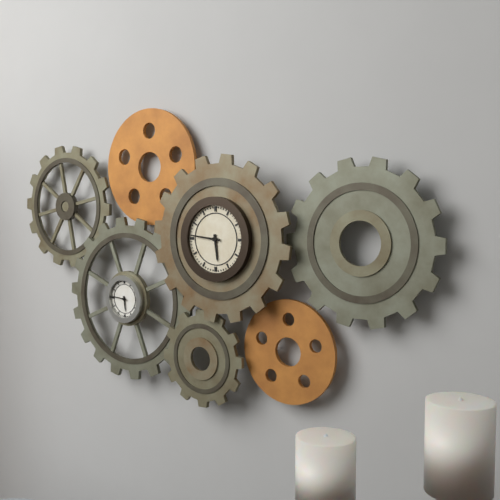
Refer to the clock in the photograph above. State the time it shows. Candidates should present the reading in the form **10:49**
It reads **5:46**
